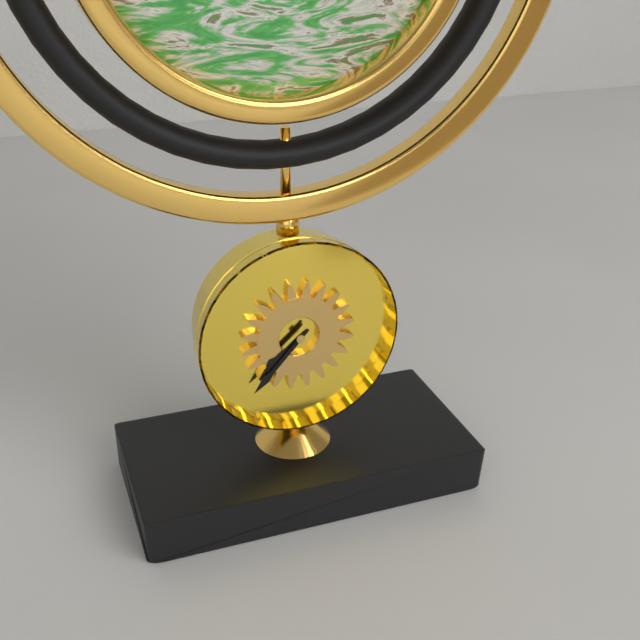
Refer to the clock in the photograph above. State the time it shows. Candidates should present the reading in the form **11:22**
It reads **7:37**
